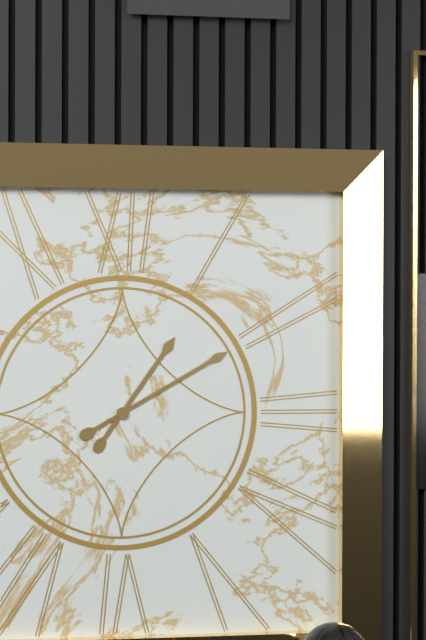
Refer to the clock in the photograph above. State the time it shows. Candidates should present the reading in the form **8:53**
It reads **1:10**
